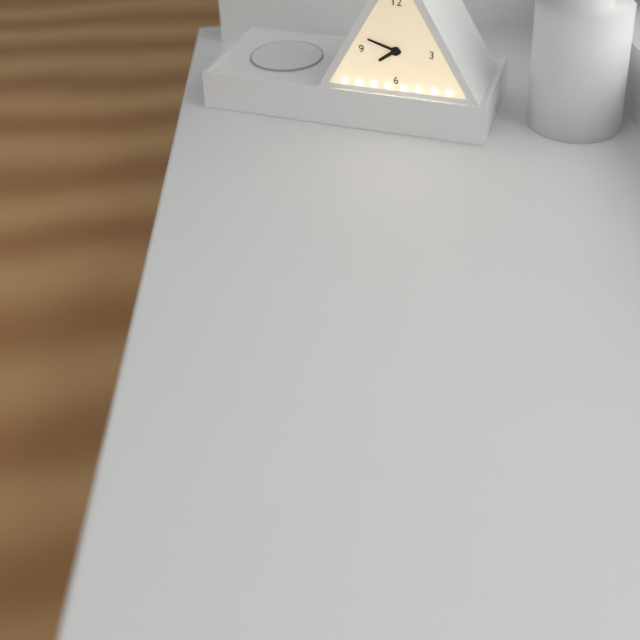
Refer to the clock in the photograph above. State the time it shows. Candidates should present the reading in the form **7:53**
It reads **7:48**
